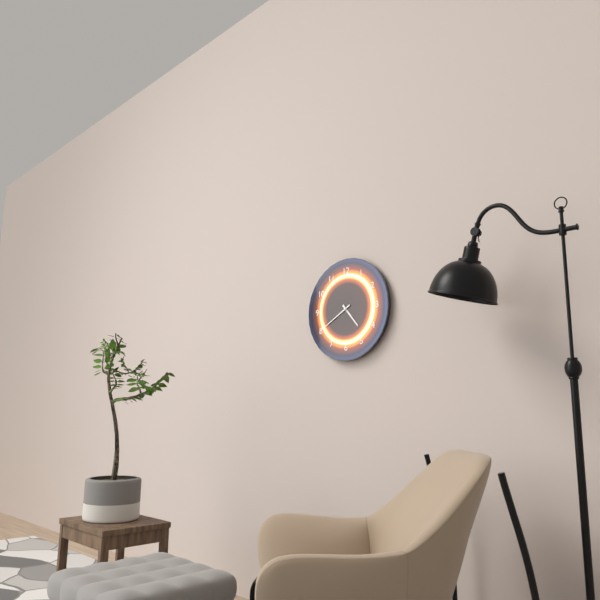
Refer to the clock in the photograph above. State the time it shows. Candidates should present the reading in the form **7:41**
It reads **4:40**
